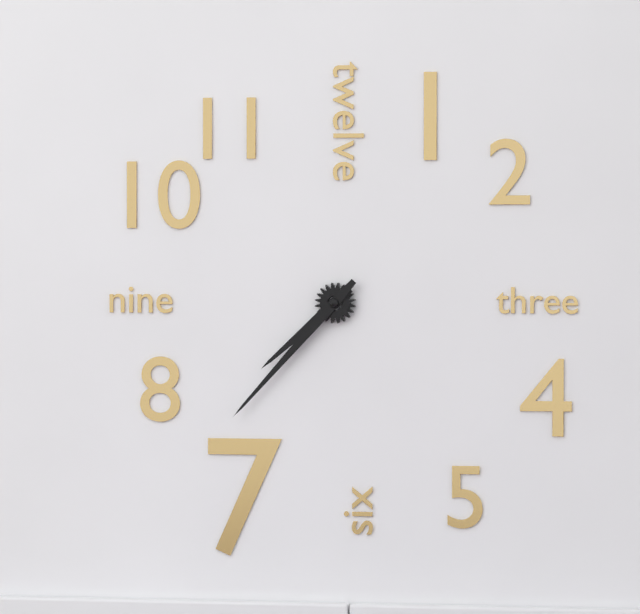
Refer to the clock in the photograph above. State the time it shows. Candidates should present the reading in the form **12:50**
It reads **7:37**
